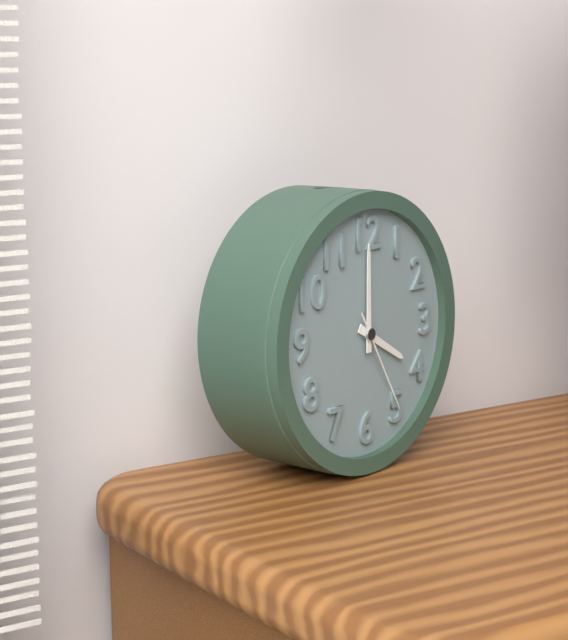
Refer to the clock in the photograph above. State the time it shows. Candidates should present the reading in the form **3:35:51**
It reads **4:00:25**
